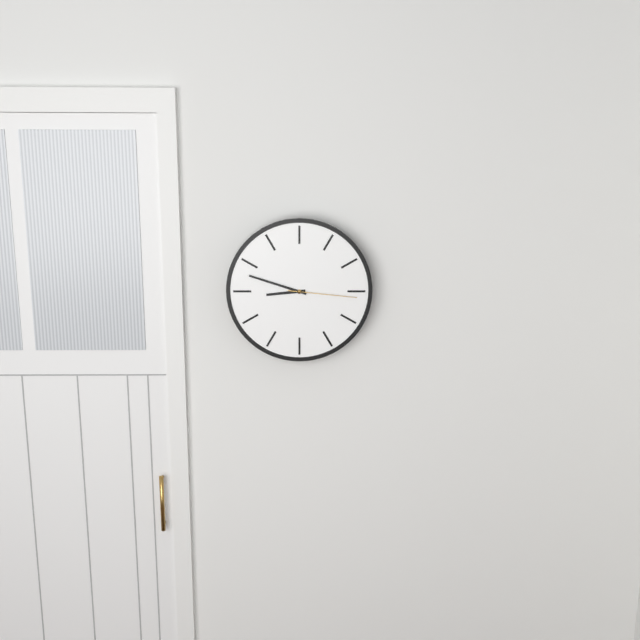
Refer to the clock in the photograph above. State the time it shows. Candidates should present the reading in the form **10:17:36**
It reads **8:48:16**
